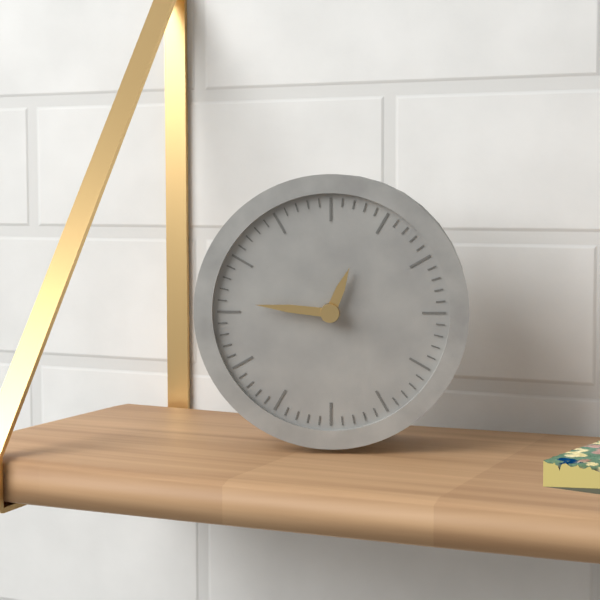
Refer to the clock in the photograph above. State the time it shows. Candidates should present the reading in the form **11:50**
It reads **12:46**
